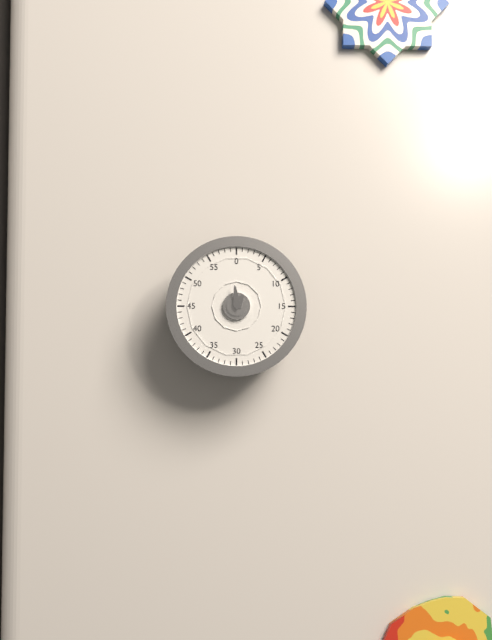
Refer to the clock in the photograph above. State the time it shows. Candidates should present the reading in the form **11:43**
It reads **12:59**
